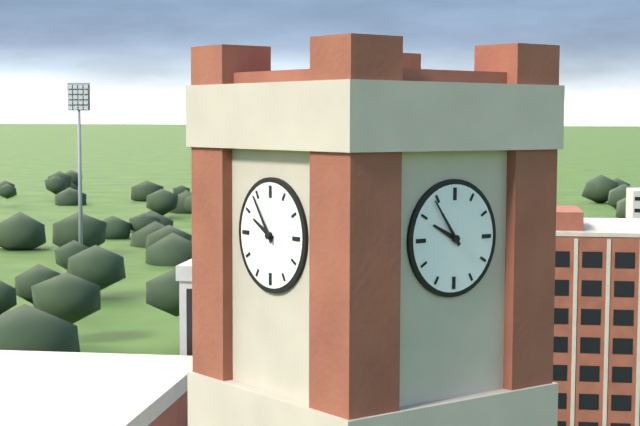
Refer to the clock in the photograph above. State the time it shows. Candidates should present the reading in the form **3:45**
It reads **9:54**
